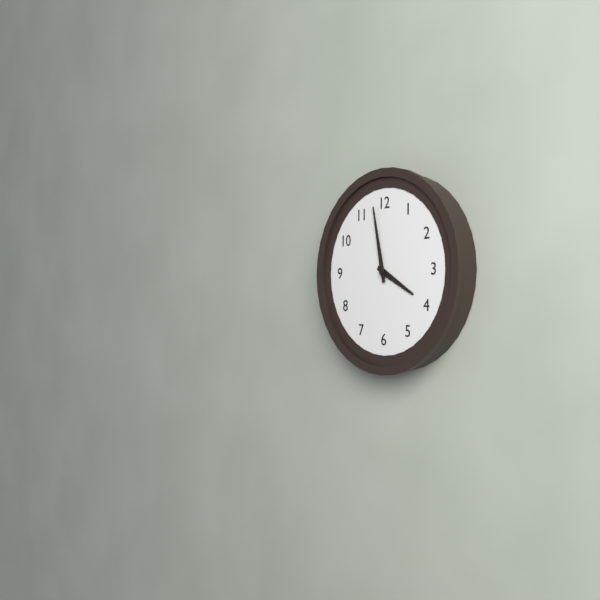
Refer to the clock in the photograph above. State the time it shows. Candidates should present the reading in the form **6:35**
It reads **3:58**
